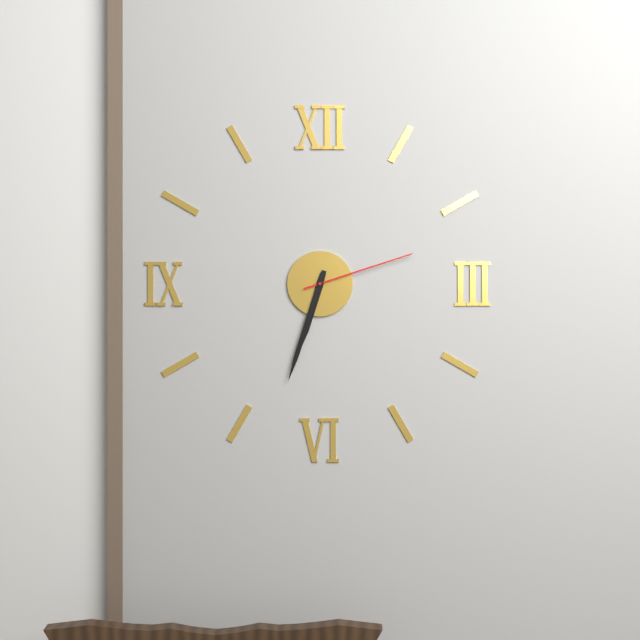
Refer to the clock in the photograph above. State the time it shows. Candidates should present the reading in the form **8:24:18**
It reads **6:33:12**
